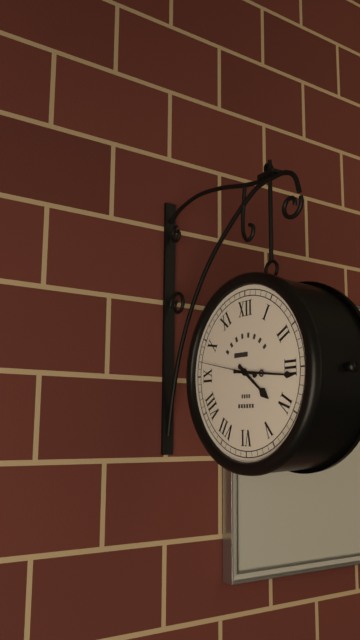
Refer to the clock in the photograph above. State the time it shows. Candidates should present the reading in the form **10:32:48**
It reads **4:16:47**
